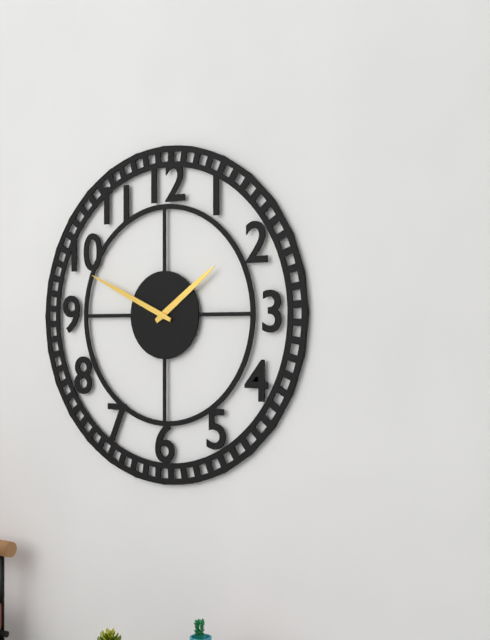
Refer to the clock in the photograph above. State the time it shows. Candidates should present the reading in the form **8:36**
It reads **1:49**
